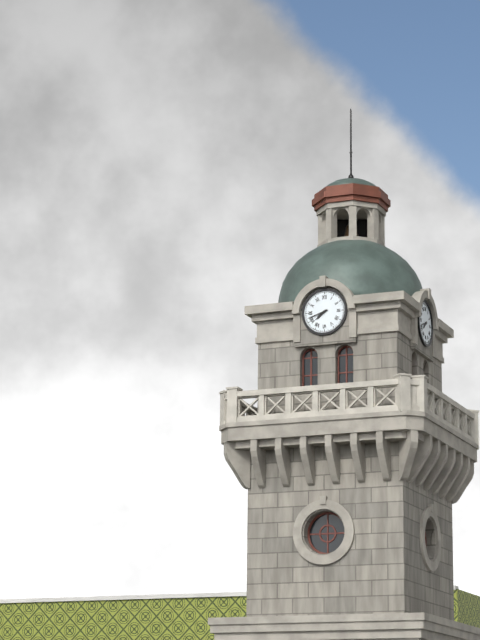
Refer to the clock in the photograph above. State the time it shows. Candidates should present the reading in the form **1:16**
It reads **7:42**
